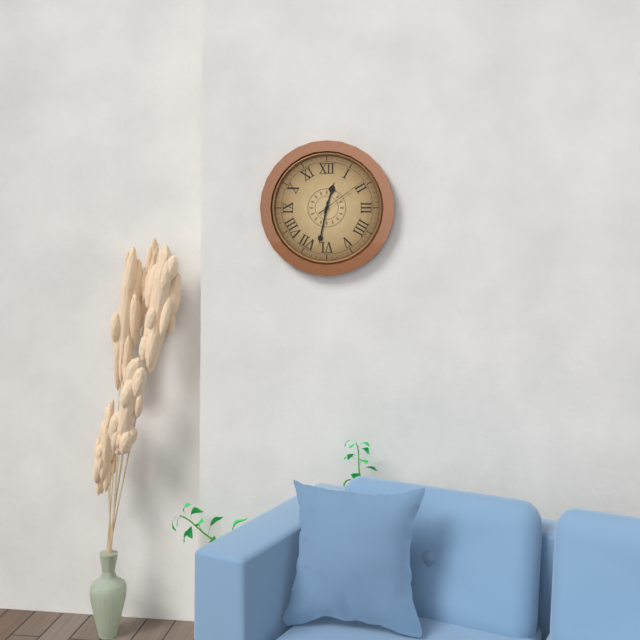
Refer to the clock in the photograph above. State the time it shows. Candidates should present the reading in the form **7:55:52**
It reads **12:32:09**
